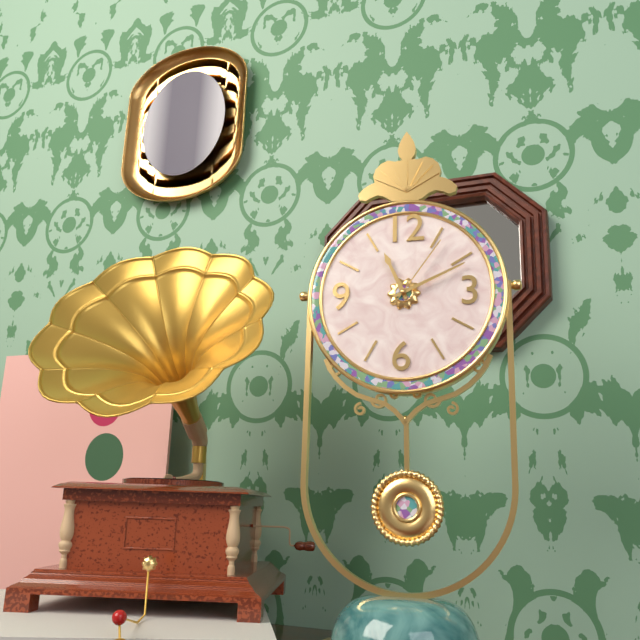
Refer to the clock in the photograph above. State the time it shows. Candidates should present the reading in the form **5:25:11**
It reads **11:11:06**
